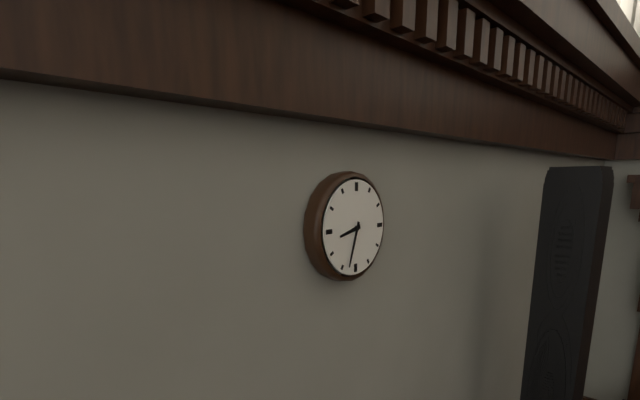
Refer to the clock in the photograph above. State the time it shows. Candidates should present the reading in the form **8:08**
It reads **8:33**
